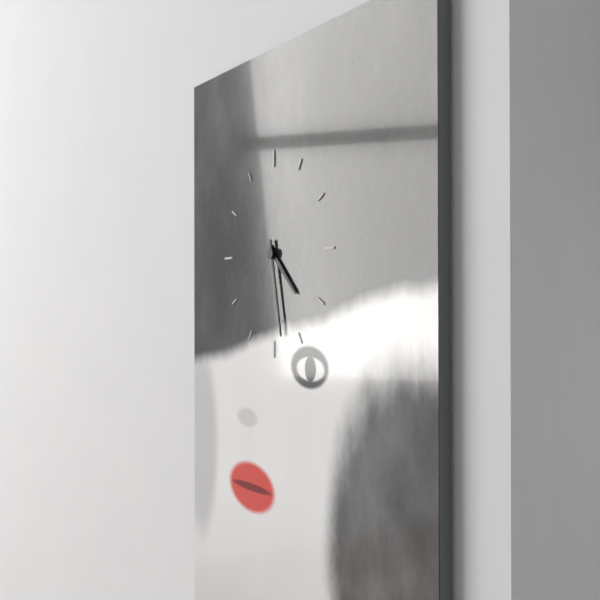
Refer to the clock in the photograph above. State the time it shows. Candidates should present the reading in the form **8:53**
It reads **4:28**
